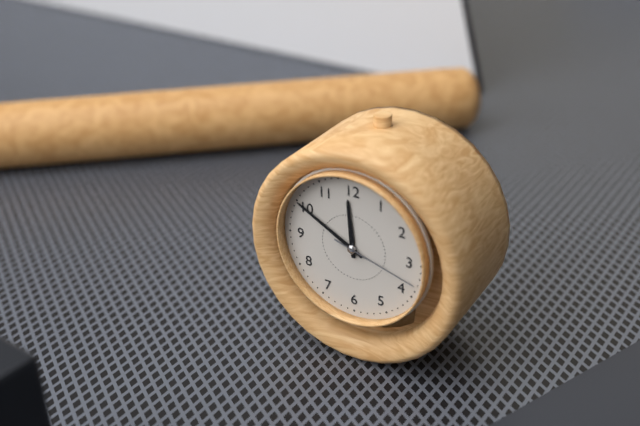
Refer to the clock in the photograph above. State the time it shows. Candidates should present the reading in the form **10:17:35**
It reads **11:50:18**
